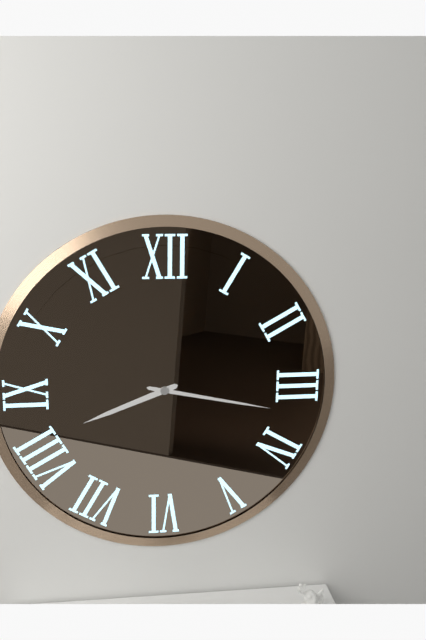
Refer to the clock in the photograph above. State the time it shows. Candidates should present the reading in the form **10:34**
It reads **8:17**
